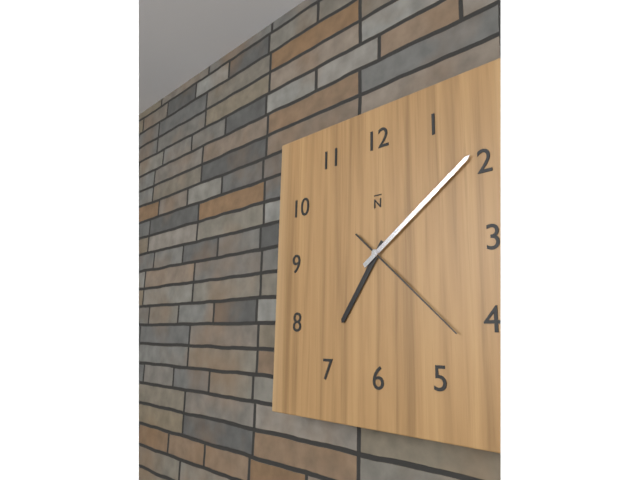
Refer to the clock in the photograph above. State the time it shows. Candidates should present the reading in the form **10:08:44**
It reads **7:09:22**
